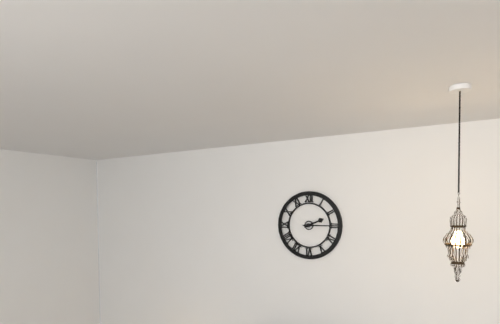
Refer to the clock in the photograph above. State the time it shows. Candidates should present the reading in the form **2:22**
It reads **2:15**
